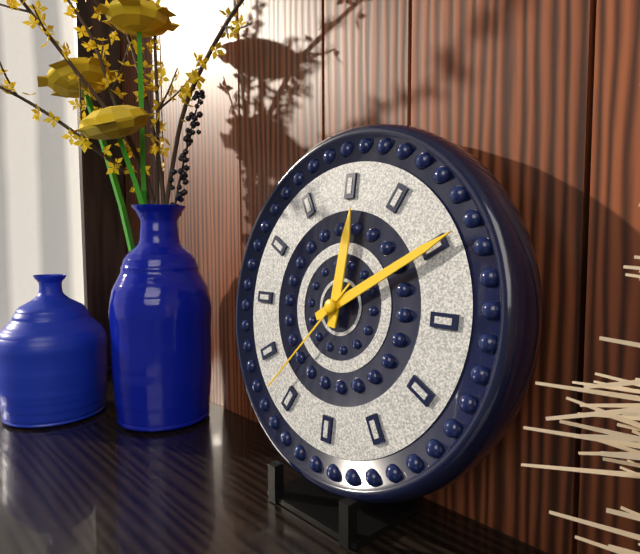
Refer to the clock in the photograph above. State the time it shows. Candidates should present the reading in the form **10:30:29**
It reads **12:10:37**
